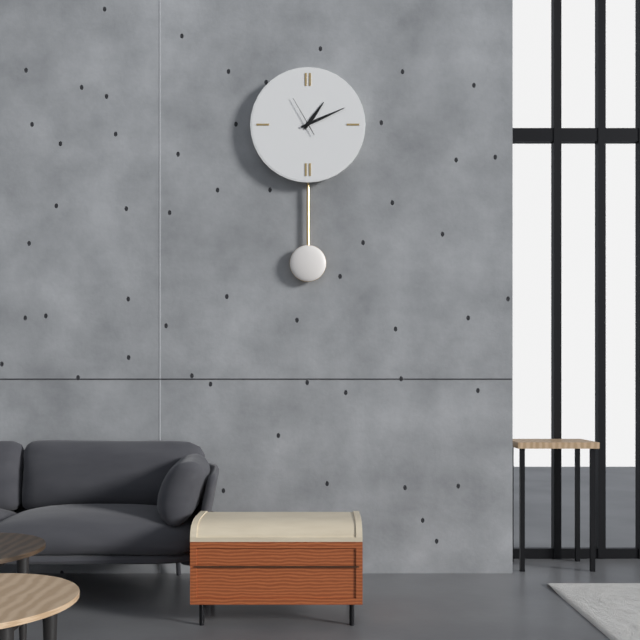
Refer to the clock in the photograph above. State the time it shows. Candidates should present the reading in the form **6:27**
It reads **1:11**
